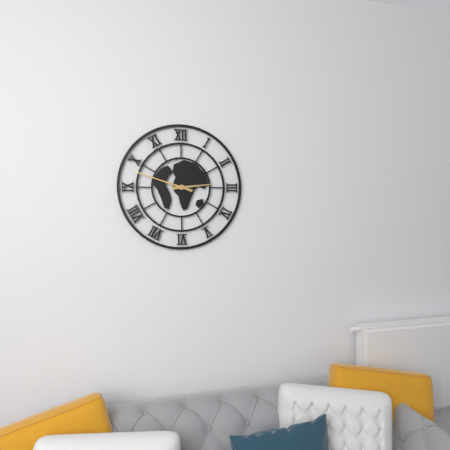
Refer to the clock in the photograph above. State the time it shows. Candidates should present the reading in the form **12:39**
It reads **2:48**
